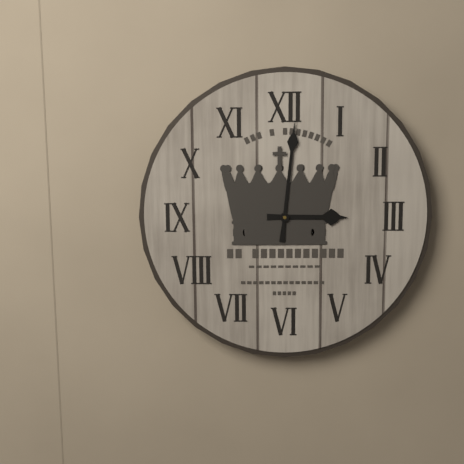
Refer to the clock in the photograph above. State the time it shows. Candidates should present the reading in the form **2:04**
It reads **3:01**
